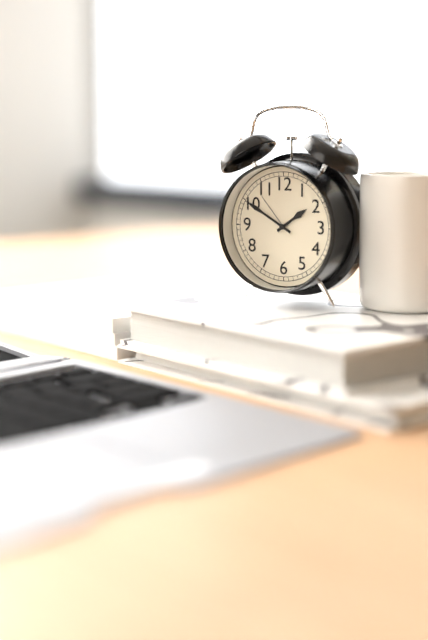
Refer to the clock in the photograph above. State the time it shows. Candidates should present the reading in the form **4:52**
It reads **1:50**
